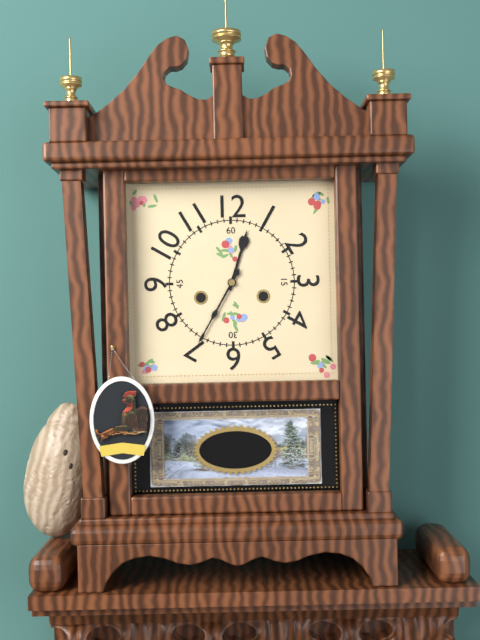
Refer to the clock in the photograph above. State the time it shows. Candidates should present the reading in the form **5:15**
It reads **12:35**
